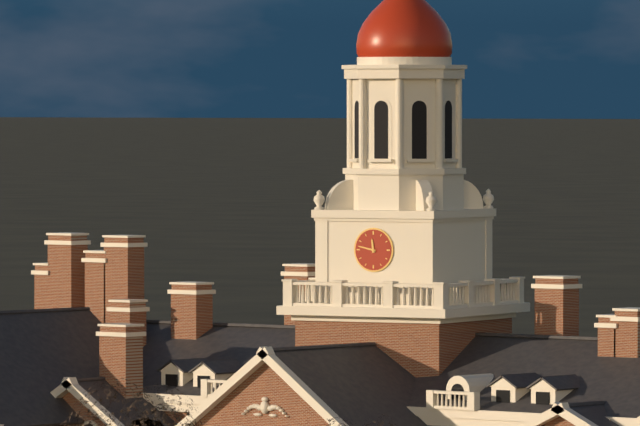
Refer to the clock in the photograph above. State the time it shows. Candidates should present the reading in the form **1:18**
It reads **11:47**
